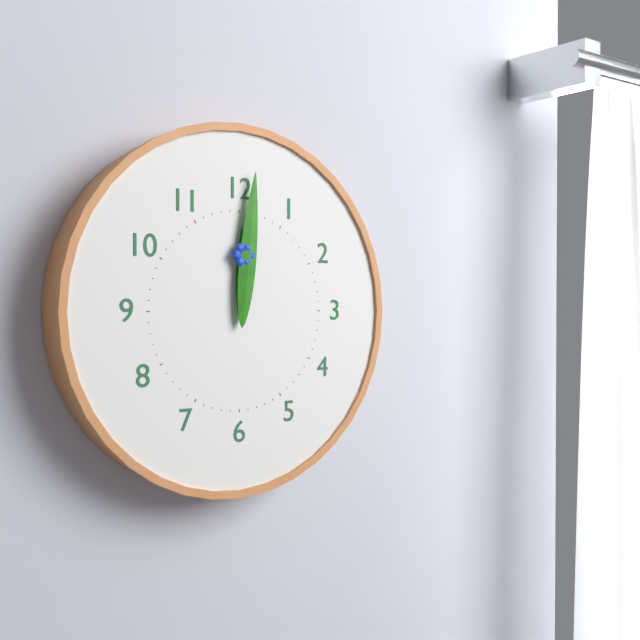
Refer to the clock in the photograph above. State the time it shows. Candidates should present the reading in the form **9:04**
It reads **12:01**
